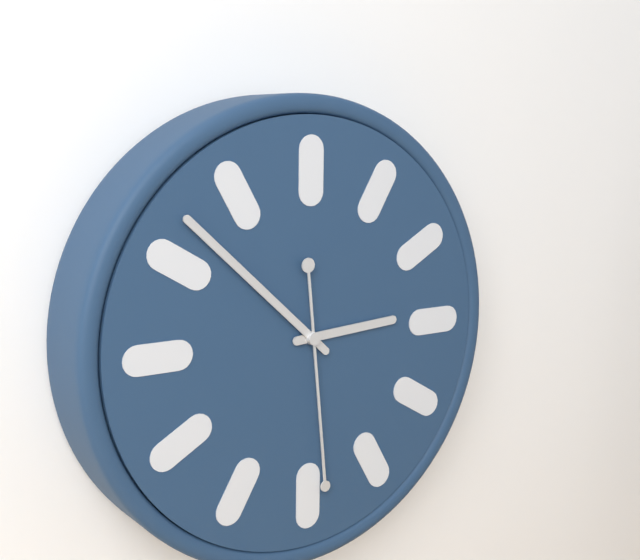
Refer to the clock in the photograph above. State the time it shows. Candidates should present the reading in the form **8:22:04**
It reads **2:52:29**
